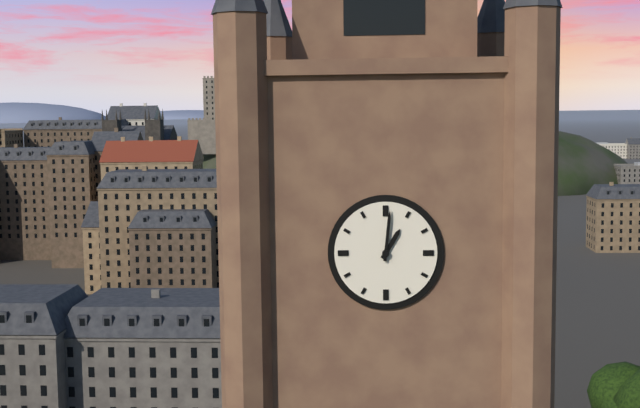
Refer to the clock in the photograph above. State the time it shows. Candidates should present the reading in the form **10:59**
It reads **1:01**
